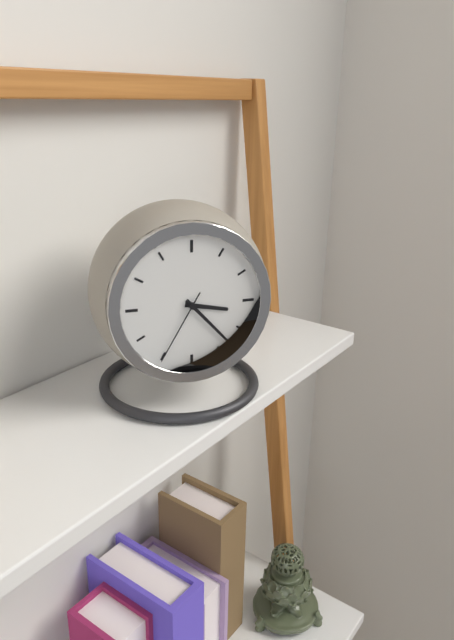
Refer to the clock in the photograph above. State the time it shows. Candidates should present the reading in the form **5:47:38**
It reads **3:23:35**
